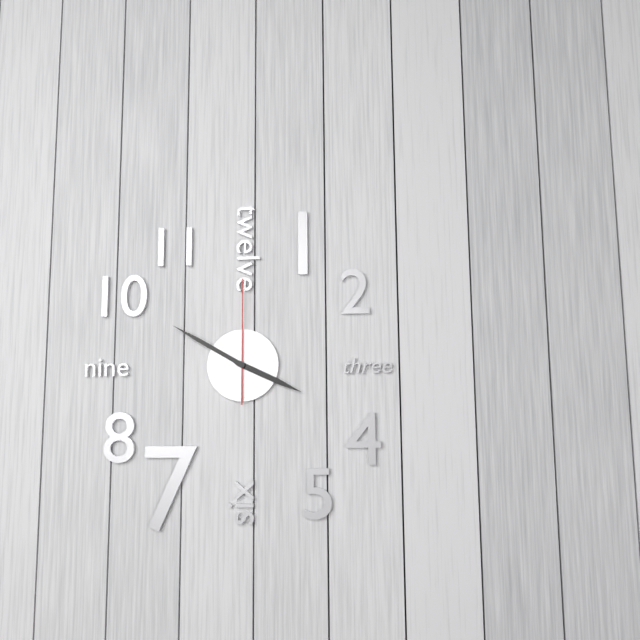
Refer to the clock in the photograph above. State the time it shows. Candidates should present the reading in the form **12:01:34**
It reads **3:50:00**
